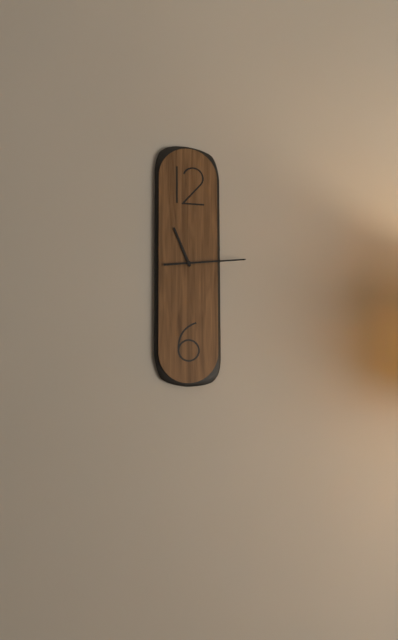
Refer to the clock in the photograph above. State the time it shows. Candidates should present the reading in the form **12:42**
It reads **11:14**
